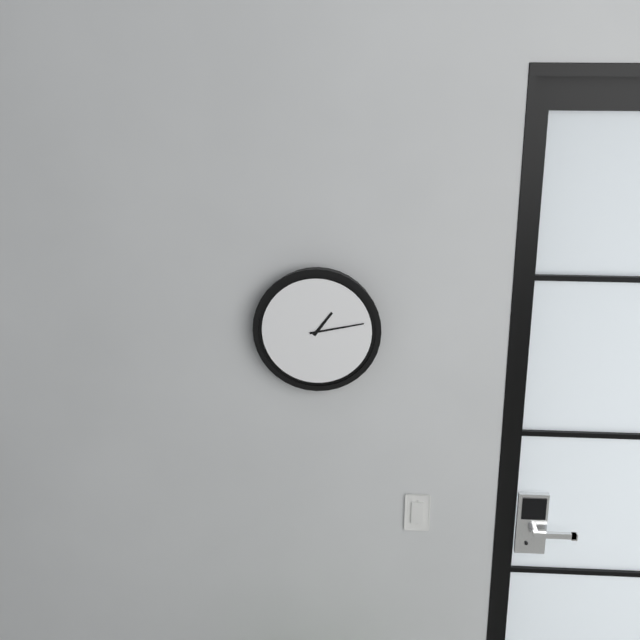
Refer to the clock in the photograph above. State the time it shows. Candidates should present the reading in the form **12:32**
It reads **1:13**
